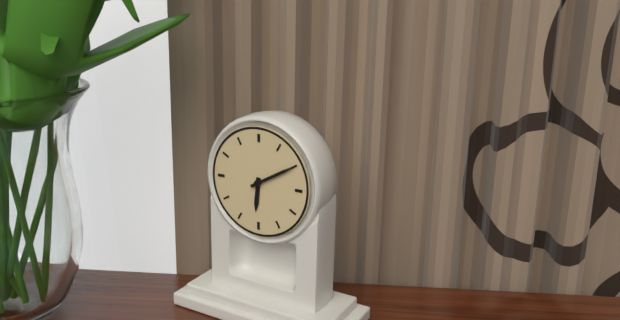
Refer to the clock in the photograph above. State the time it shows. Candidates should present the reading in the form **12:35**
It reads **6:10**
